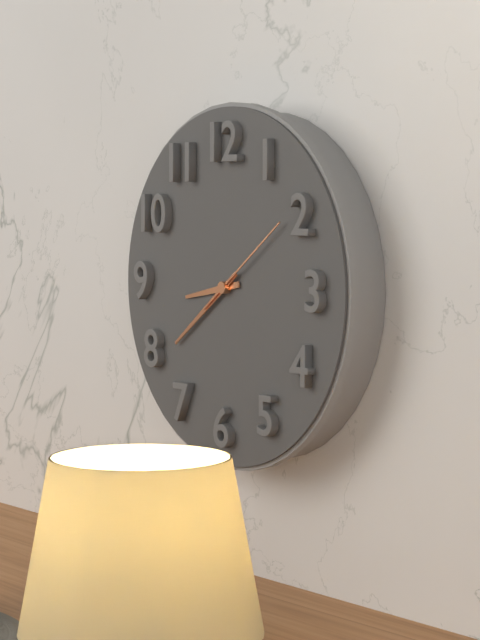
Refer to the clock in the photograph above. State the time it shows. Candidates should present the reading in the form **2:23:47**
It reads **8:39:09**
